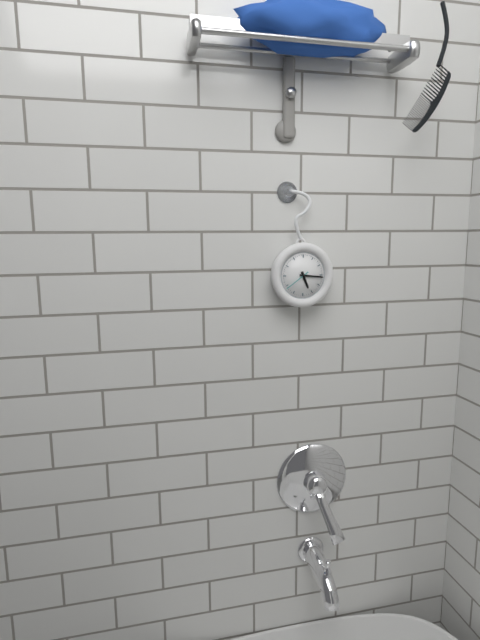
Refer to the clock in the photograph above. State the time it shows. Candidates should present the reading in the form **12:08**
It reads **5:16**
